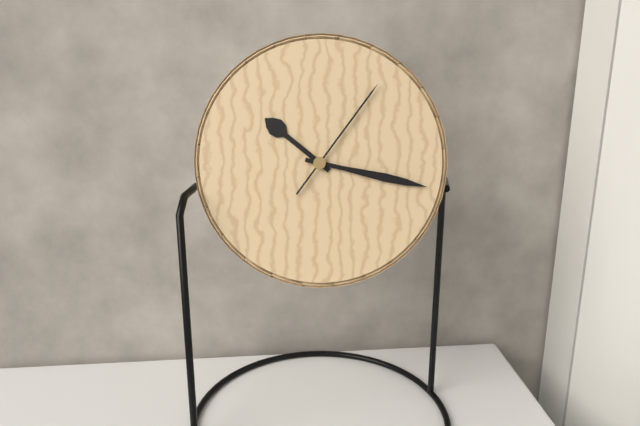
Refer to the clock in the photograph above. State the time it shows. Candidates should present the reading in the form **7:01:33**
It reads **10:17:06**
